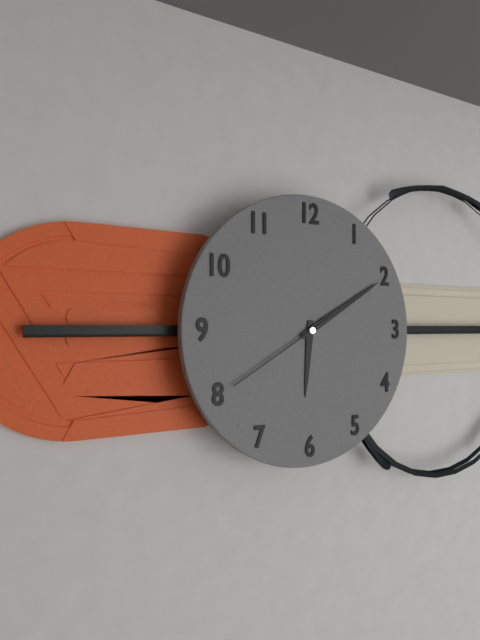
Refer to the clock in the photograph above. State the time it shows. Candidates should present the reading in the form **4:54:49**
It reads **6:10:40**
